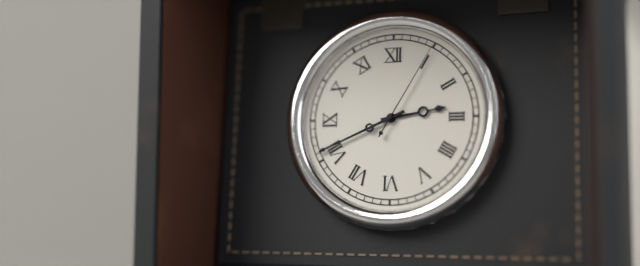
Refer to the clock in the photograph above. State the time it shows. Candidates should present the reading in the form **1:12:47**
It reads **2:41:05**
